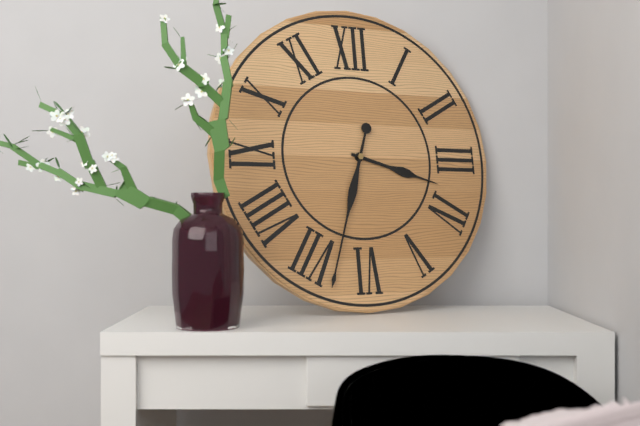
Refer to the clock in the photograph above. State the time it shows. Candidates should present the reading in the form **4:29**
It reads **3:33**
